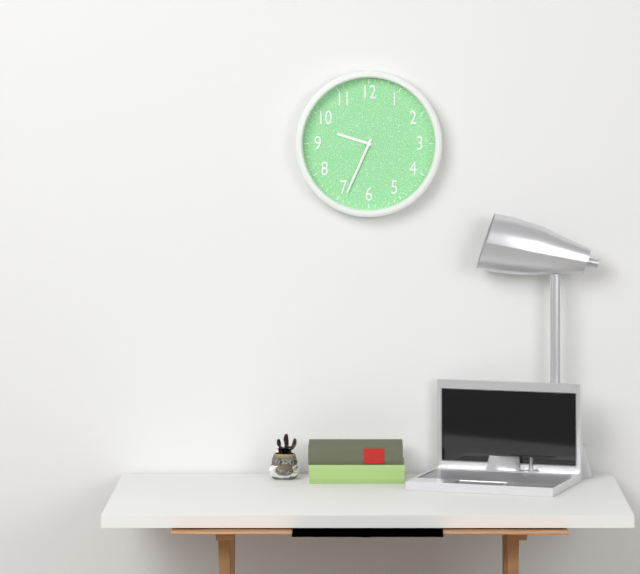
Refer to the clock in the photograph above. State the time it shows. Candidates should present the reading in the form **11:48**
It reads **9:34**
